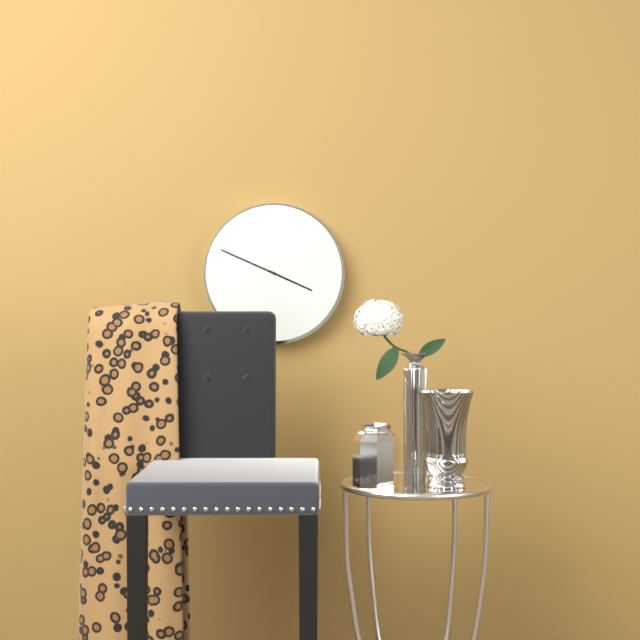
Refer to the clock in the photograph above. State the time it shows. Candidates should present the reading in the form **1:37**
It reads **3:49**
